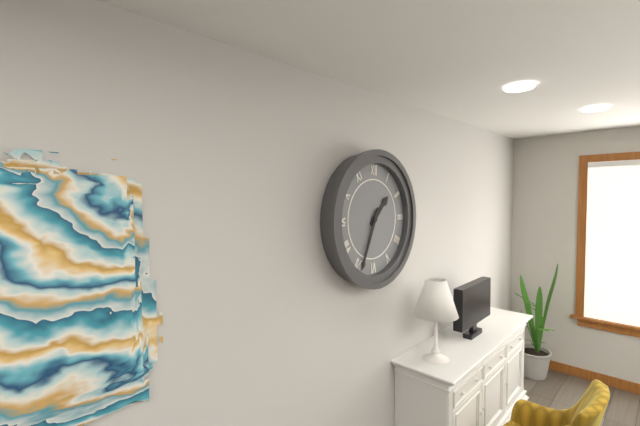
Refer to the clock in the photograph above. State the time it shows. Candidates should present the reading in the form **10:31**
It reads **1:34**
